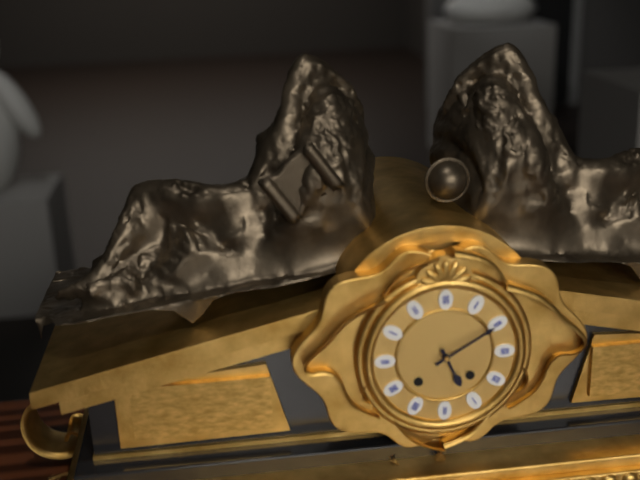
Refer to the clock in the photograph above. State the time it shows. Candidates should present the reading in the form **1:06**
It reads **5:10**
